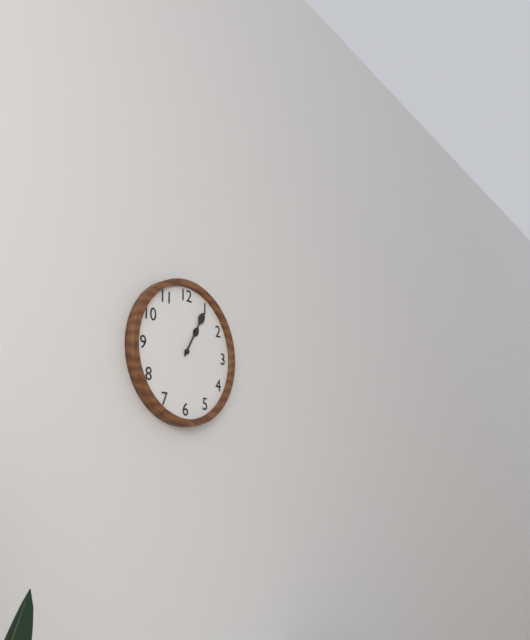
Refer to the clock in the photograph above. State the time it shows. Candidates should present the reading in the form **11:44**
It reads **1:05**
